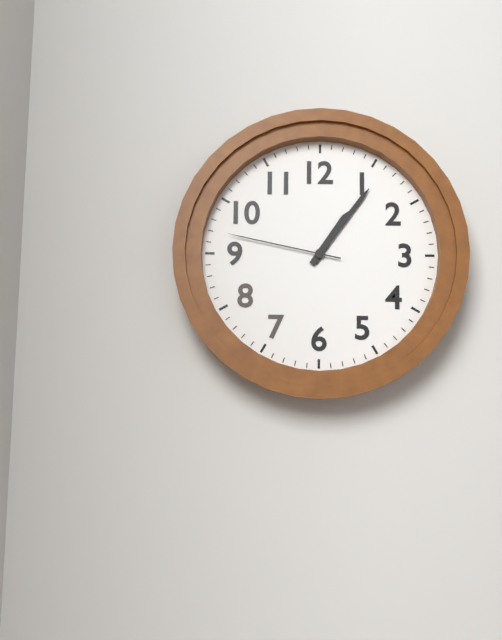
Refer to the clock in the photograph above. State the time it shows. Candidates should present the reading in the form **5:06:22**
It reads **1:06:47**
